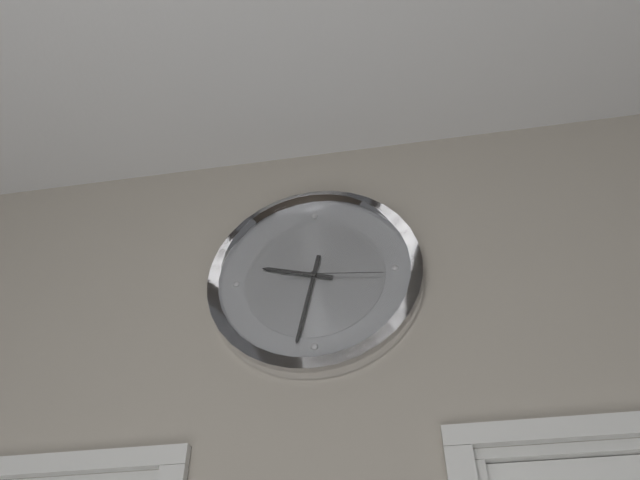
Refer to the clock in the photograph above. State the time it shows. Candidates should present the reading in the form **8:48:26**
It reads **9:32:16**
